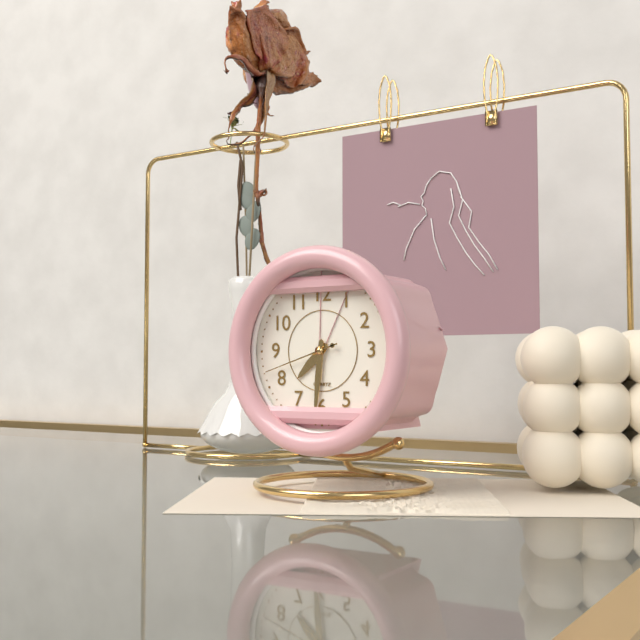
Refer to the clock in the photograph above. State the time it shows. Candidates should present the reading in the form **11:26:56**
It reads **7:31:42**
